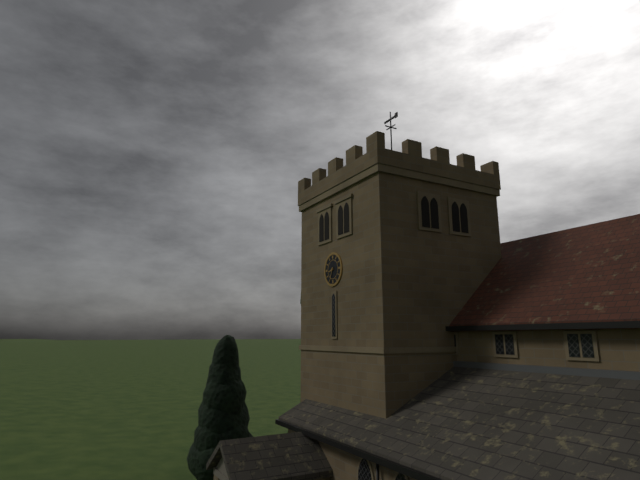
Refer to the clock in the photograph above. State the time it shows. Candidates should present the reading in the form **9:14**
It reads **8:34**
